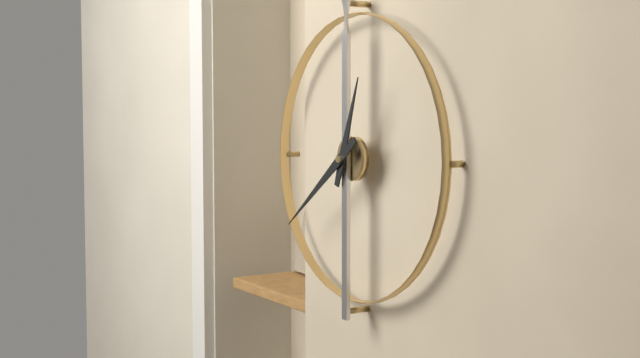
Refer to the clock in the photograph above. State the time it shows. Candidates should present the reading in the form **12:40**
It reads **12:39**
